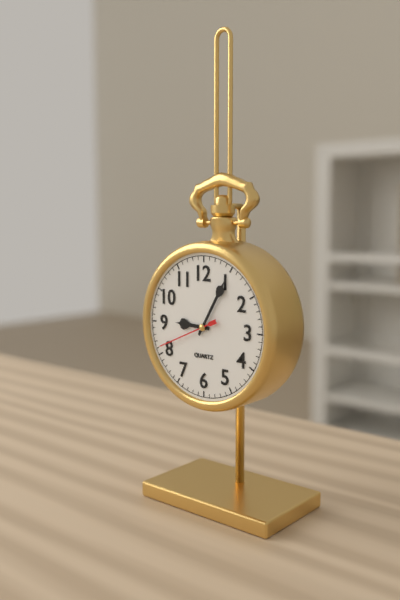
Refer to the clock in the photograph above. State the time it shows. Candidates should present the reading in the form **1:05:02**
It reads **9:05:41**
